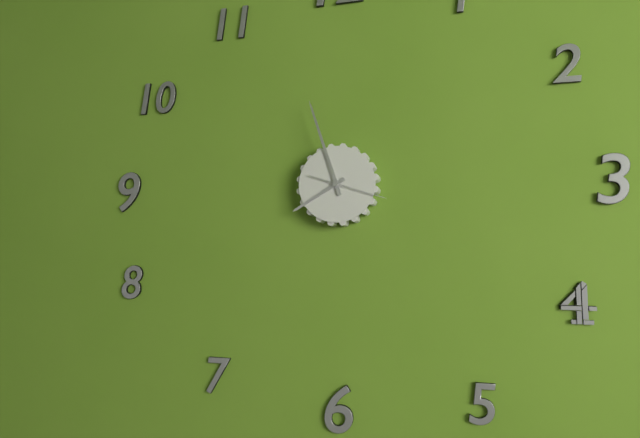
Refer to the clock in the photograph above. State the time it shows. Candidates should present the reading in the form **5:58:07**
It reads **7:57:18**
